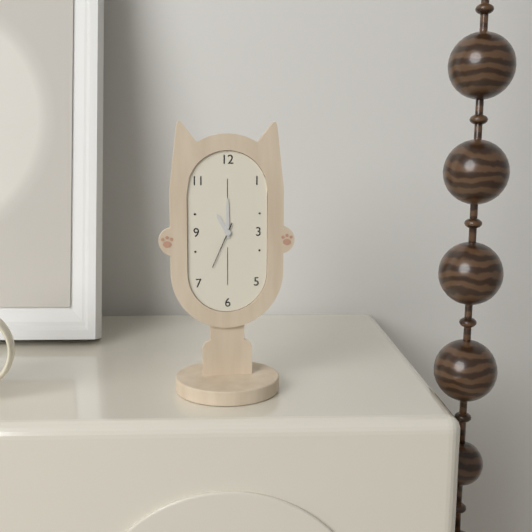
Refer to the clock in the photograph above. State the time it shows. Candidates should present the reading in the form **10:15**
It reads **11:00**
